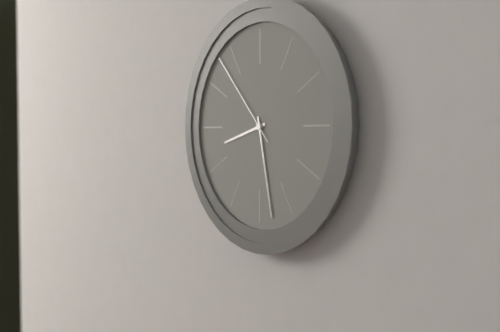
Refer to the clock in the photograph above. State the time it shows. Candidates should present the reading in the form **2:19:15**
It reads **8:28:53**
